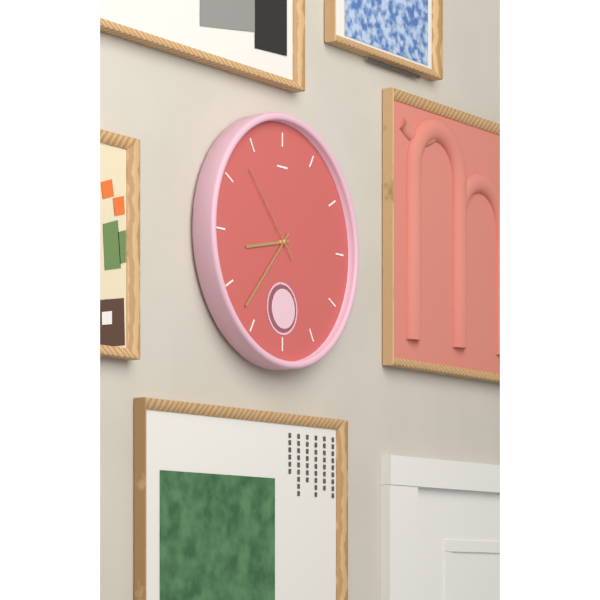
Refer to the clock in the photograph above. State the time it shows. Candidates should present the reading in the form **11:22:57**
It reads **8:37:53**
